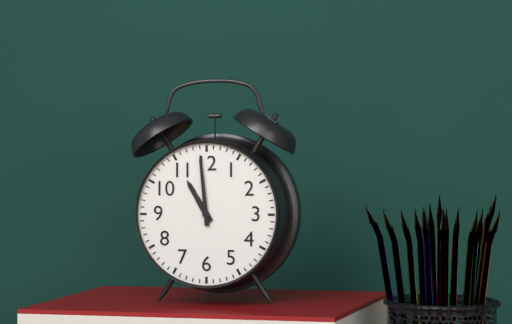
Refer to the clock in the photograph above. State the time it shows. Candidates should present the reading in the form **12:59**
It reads **10:59**
